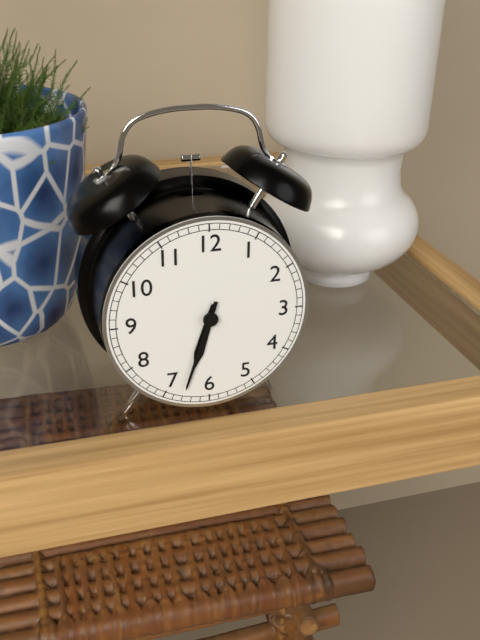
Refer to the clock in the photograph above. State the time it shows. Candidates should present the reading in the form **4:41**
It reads **6:33**
